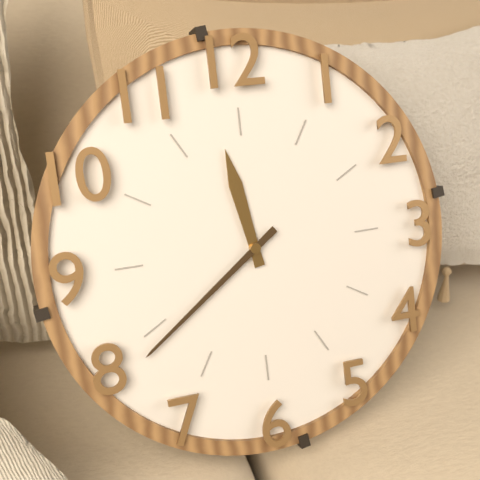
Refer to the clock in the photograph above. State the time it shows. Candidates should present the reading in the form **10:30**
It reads **11:39**
